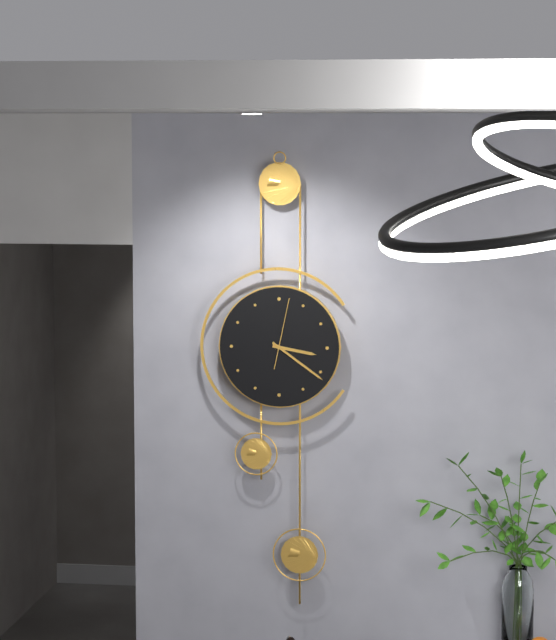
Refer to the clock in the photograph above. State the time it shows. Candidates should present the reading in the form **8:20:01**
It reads **3:21:02**
